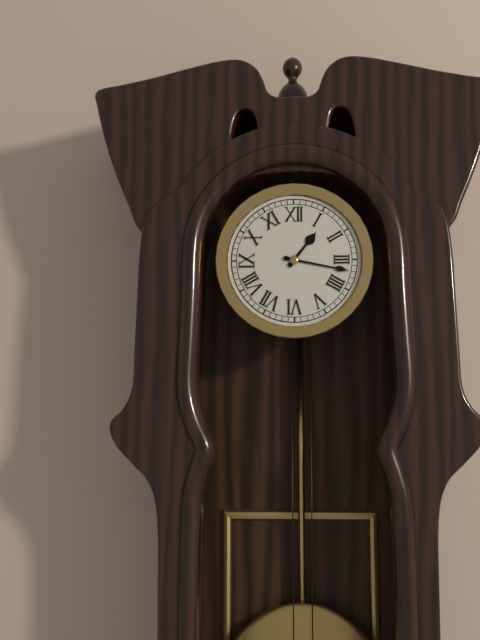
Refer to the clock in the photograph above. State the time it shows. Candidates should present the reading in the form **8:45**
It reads **1:17**
